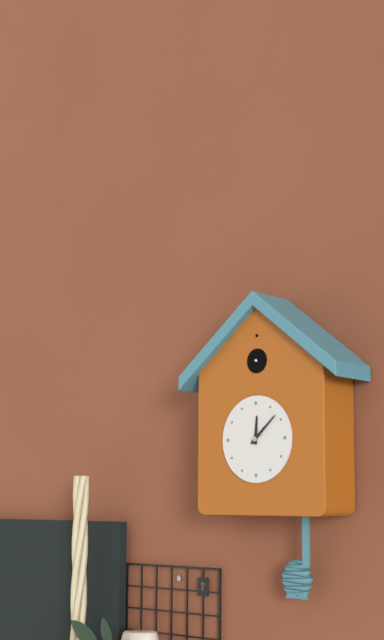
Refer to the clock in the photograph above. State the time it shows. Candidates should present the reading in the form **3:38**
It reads **12:08**
